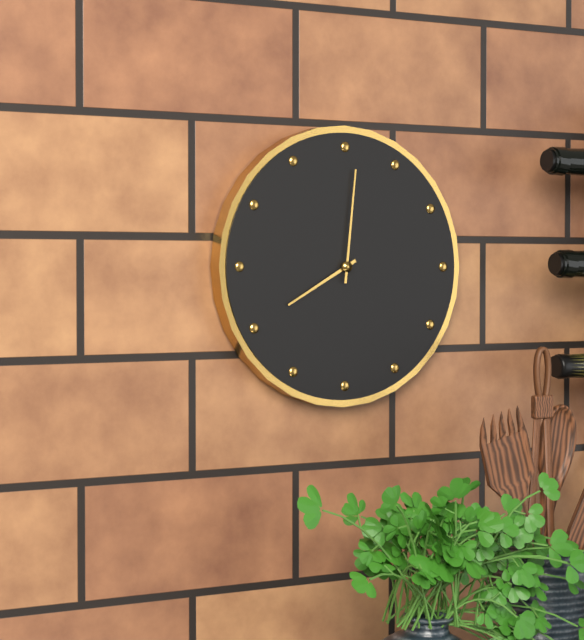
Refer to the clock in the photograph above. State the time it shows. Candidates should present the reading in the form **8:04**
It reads **8:01**
